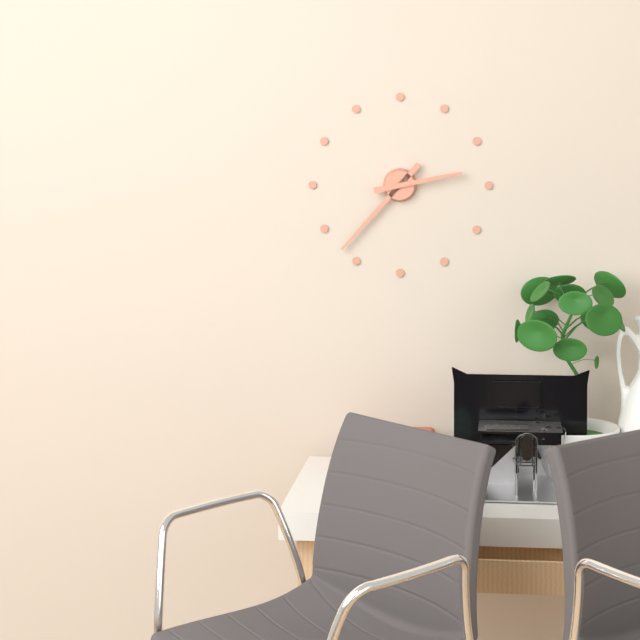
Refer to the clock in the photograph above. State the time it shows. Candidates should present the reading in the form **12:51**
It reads **2:37**
